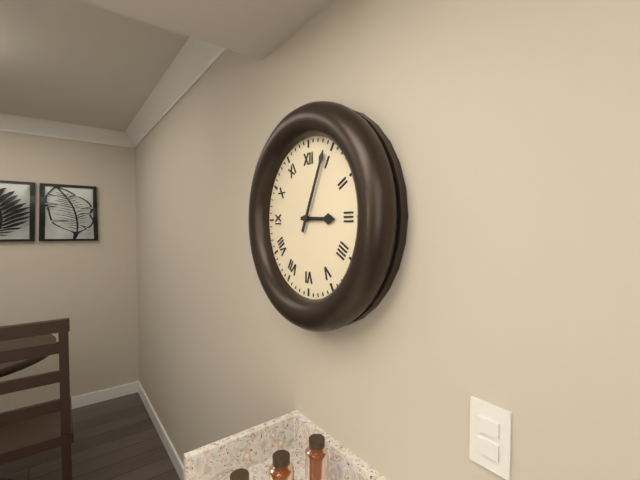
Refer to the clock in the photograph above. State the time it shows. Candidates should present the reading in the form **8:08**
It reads **3:04**
